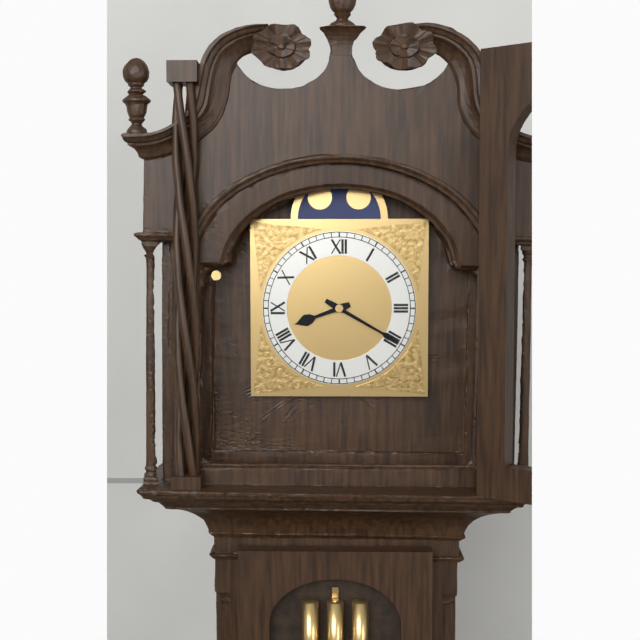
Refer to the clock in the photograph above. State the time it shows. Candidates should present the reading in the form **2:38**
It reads **8:20**
